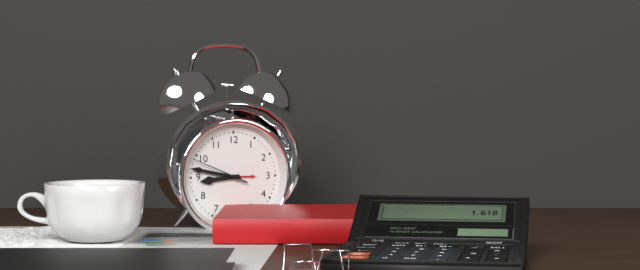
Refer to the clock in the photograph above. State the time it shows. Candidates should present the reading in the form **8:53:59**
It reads **8:47:49**
